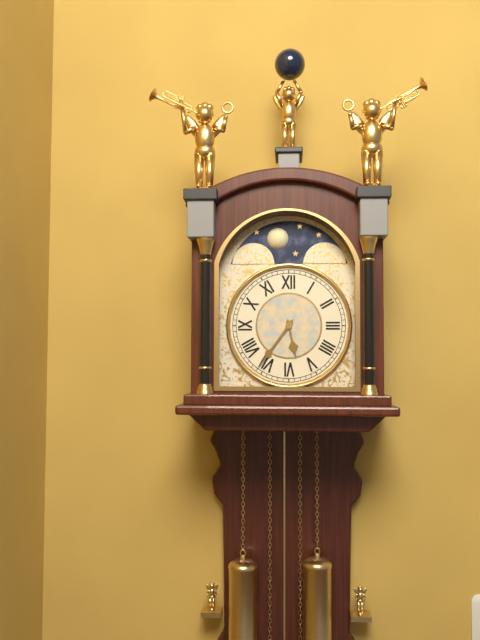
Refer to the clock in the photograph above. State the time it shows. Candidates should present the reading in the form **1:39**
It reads **5:36**
